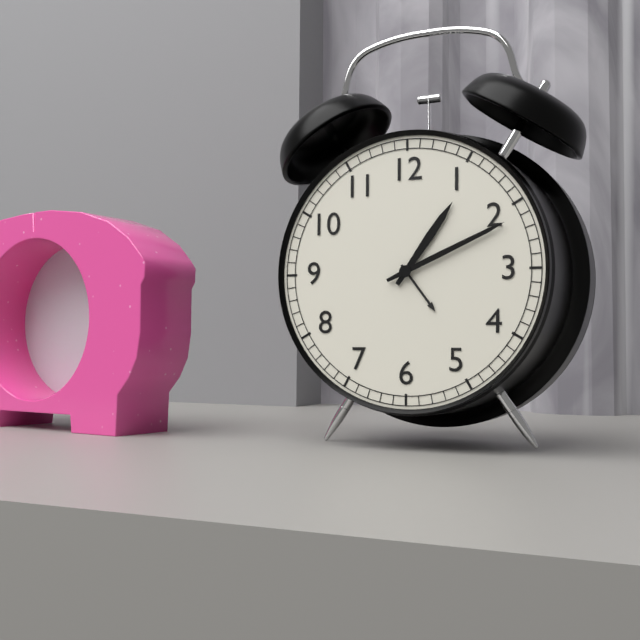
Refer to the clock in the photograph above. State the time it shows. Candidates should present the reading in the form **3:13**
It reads **1:11**
